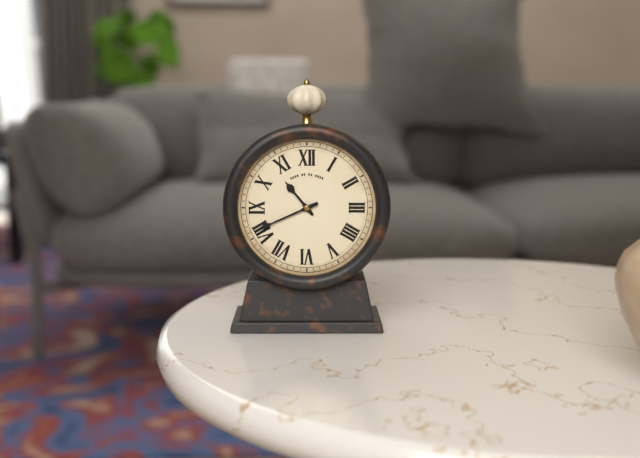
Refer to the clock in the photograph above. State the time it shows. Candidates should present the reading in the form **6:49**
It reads **10:41**
